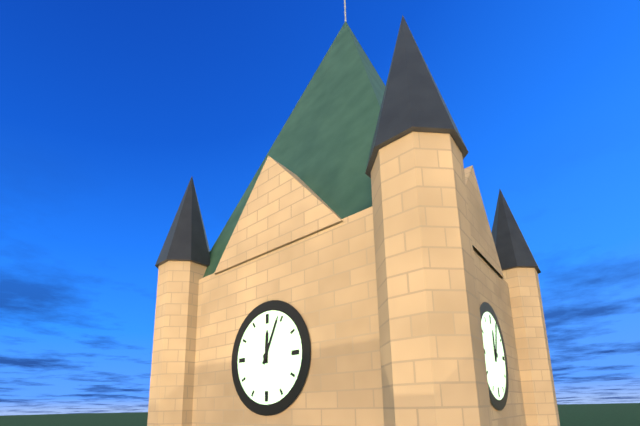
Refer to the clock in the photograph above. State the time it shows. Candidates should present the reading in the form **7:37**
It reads **12:04**
